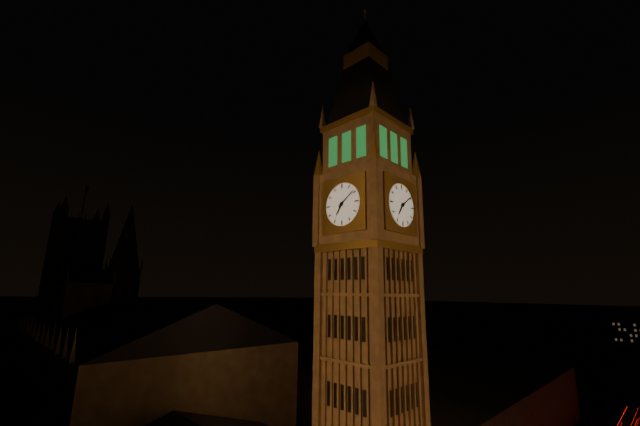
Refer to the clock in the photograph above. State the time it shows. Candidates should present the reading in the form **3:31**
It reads **7:09**
